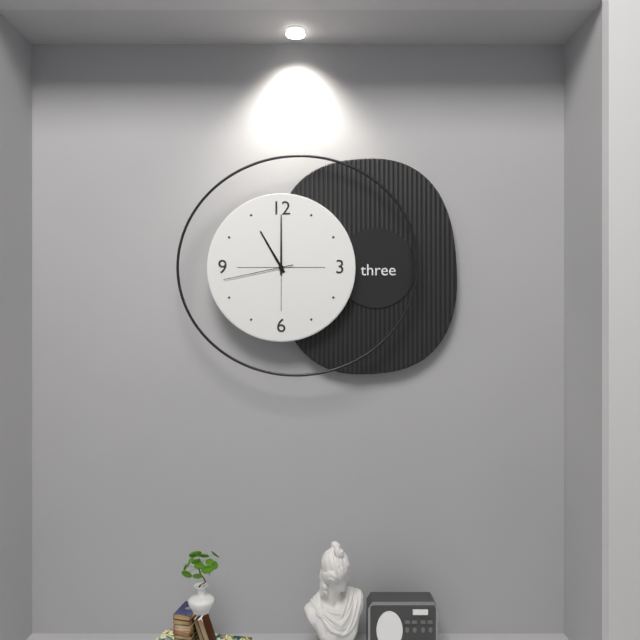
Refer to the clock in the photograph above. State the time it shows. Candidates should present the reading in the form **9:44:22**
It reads **11:00:43**
